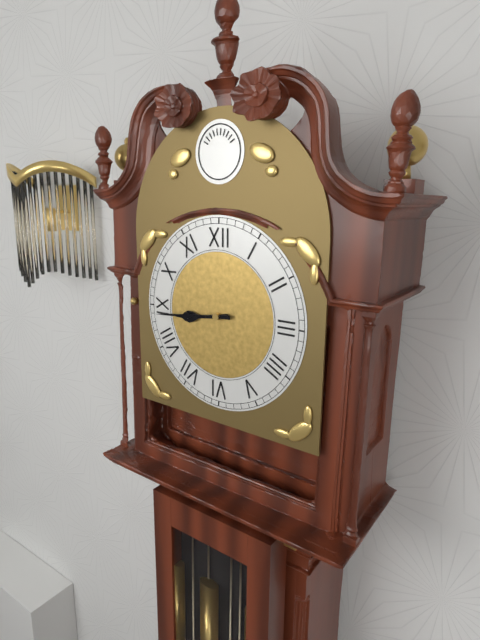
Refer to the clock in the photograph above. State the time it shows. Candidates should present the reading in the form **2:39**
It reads **8:44**
